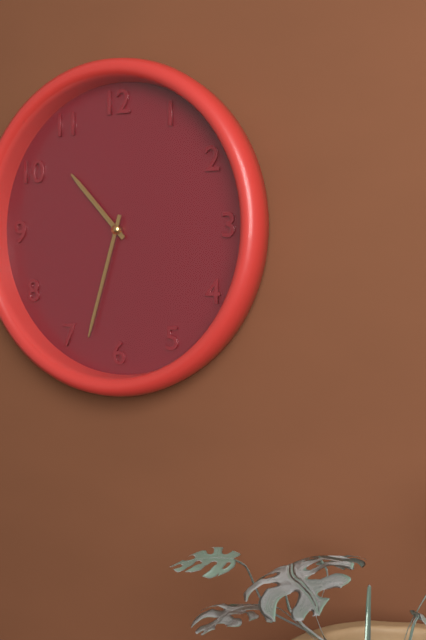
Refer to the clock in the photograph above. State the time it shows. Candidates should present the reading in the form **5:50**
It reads **10:33**
